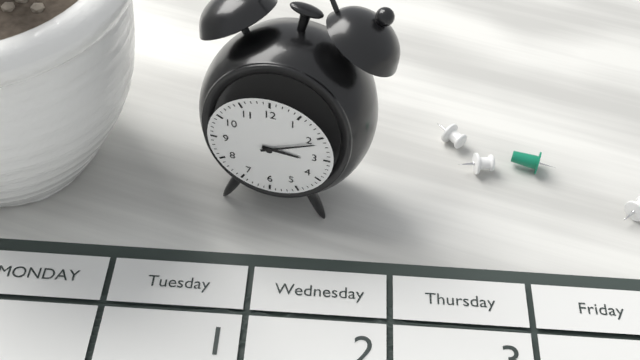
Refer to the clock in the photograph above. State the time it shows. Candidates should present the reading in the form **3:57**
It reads **3:11**
